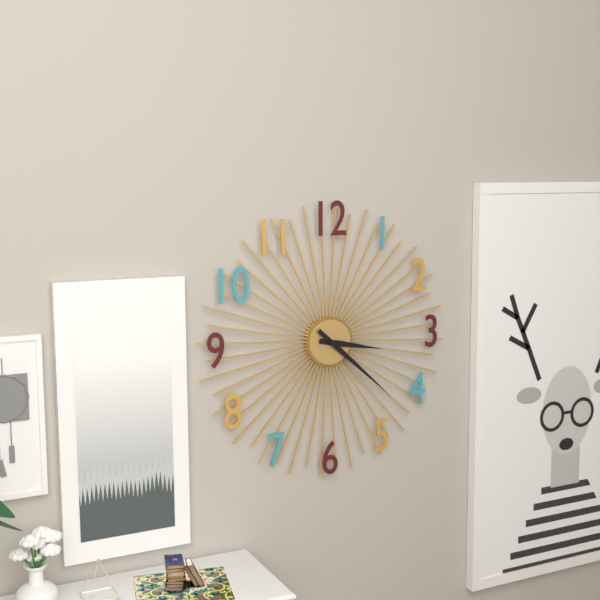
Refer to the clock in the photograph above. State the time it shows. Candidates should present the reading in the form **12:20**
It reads **3:22**
